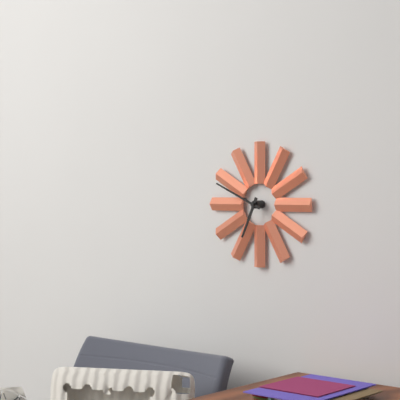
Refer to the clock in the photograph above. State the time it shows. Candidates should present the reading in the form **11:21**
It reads **6:49**
